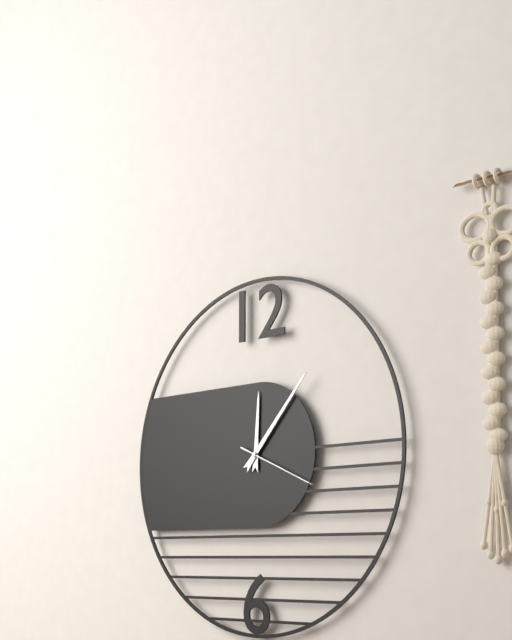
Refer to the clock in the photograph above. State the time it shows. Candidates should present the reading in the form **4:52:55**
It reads **12:07:19**
